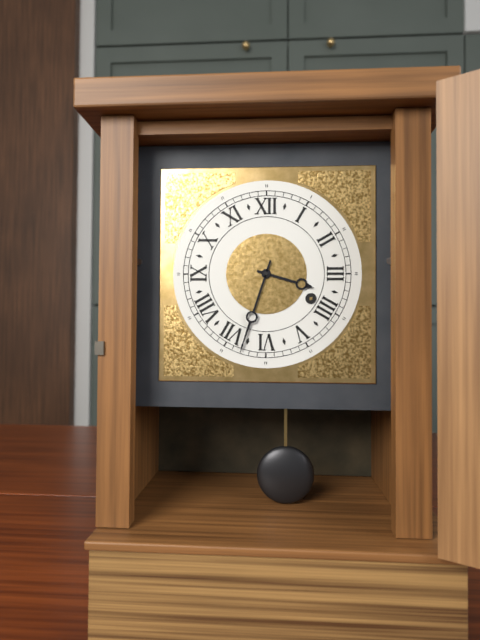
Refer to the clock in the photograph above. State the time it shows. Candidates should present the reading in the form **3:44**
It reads **3:33**
